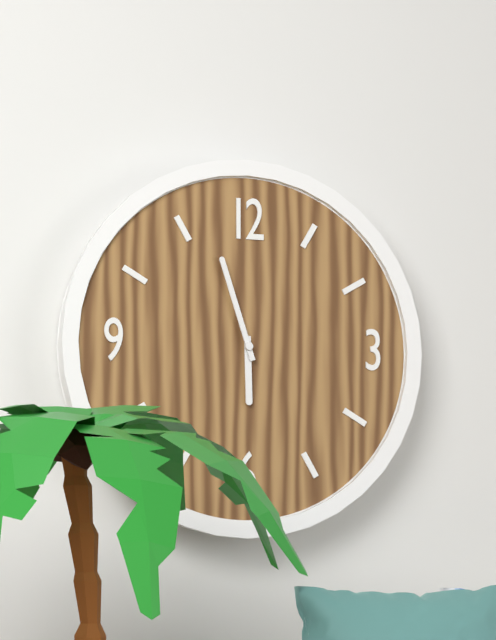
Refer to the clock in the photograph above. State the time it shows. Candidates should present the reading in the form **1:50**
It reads **5:57**
